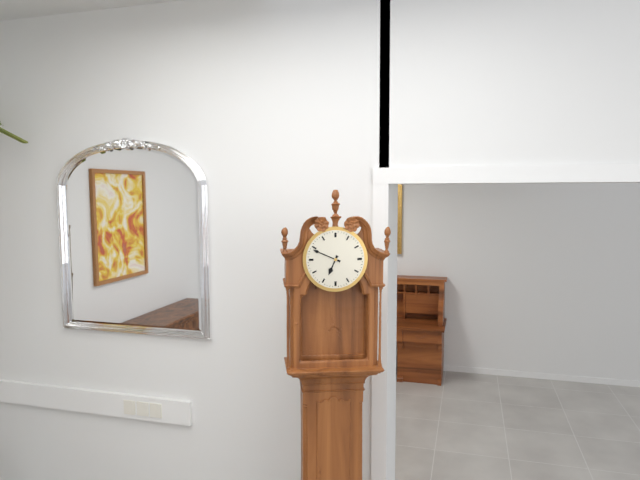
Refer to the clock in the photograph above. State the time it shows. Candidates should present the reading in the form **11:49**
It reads **6:49**
